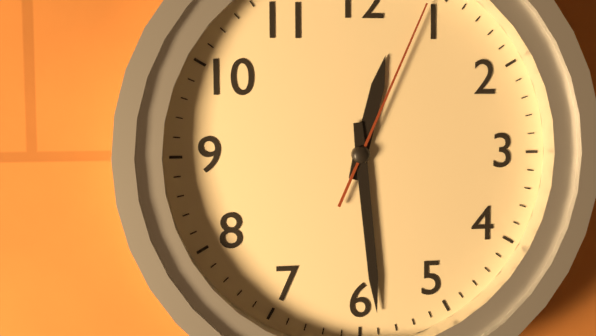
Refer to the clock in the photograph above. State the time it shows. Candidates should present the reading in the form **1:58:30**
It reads **12:29:04**
